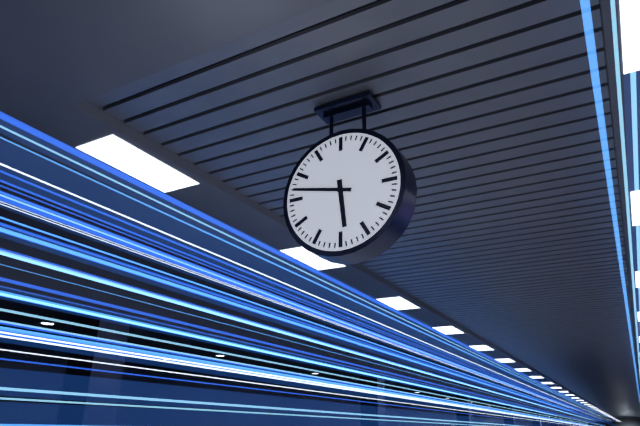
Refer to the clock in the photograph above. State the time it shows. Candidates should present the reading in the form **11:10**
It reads **5:47**
